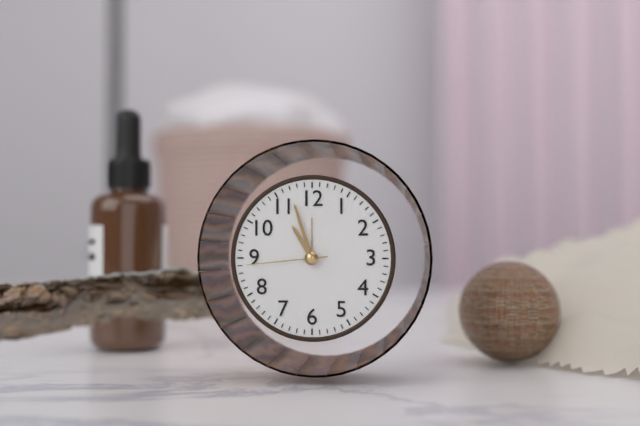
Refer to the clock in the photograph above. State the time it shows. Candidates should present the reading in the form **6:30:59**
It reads **10:57:44**
